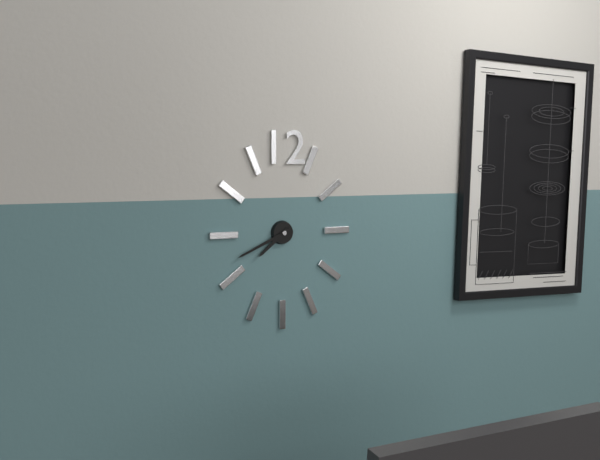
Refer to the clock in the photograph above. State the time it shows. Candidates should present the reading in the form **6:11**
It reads **7:41**
